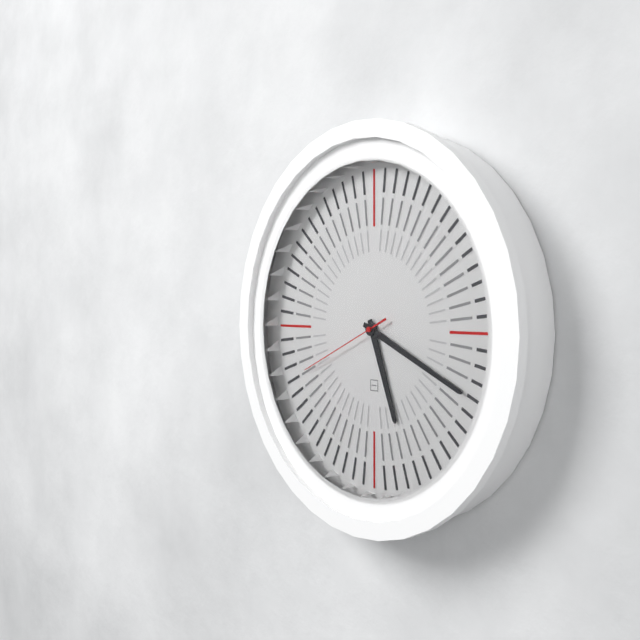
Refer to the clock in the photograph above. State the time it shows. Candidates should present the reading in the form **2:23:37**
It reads **5:19:41**
